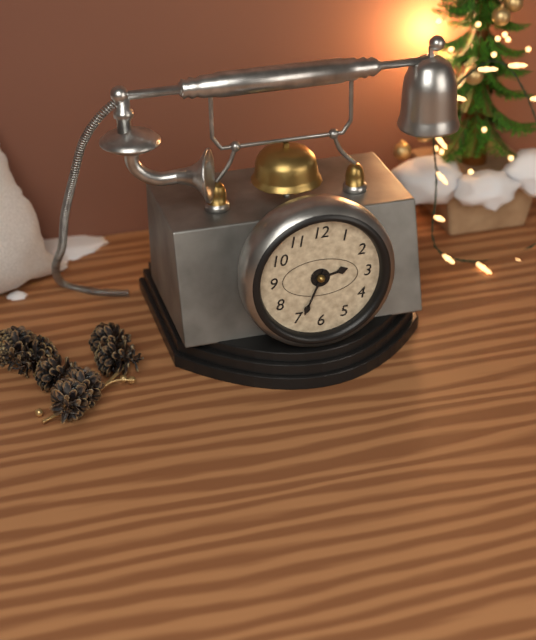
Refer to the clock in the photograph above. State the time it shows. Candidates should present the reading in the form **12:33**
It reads **2:34**
